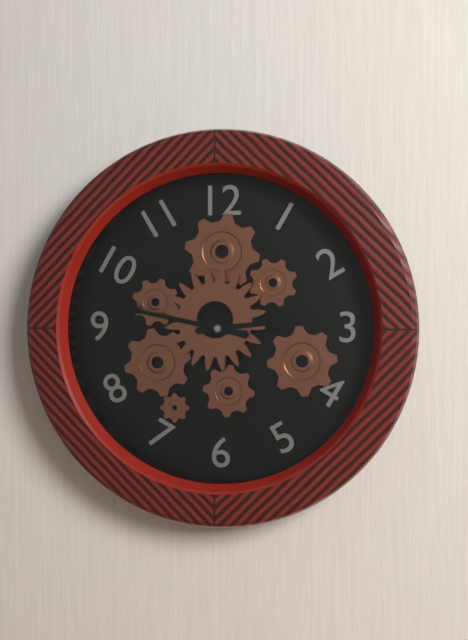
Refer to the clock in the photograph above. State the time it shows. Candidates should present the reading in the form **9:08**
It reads **2:47**
